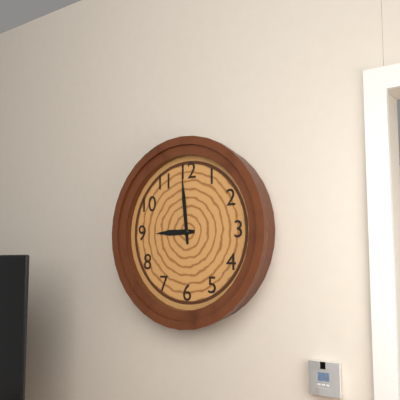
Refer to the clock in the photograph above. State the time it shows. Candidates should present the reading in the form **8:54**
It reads **8:59**
